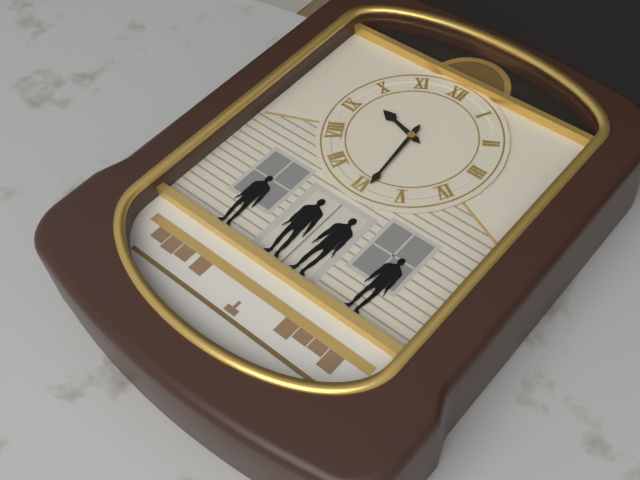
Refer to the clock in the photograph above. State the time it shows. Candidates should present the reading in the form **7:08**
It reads **9:29**
